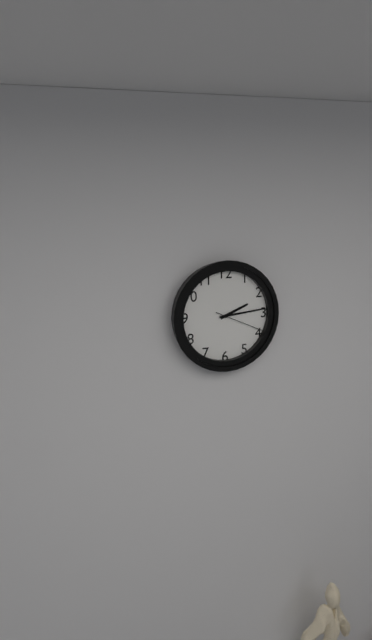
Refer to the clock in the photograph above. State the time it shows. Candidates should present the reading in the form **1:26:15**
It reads **2:14:19**
